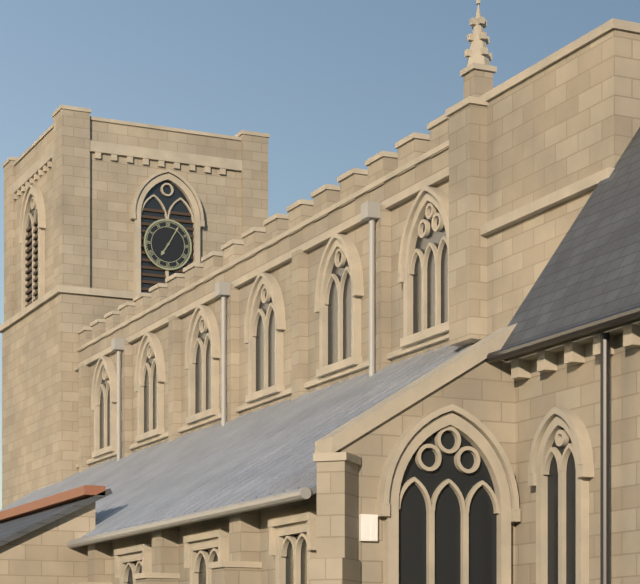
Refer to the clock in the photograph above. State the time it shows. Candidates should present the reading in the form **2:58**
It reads **7:05**
